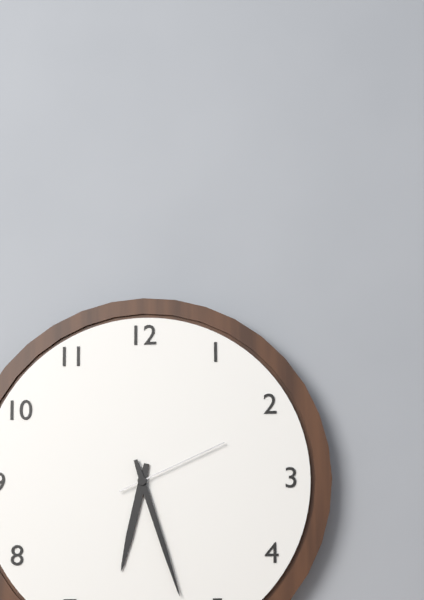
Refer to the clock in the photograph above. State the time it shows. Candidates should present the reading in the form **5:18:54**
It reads **6:27:11**
